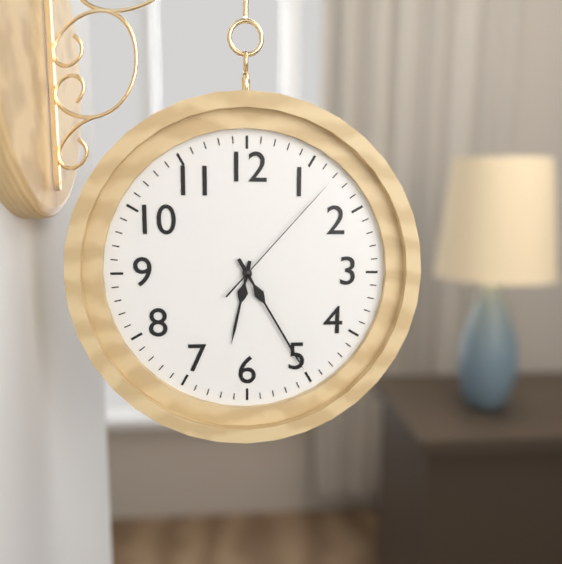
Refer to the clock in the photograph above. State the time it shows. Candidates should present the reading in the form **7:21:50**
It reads **6:25:07**
